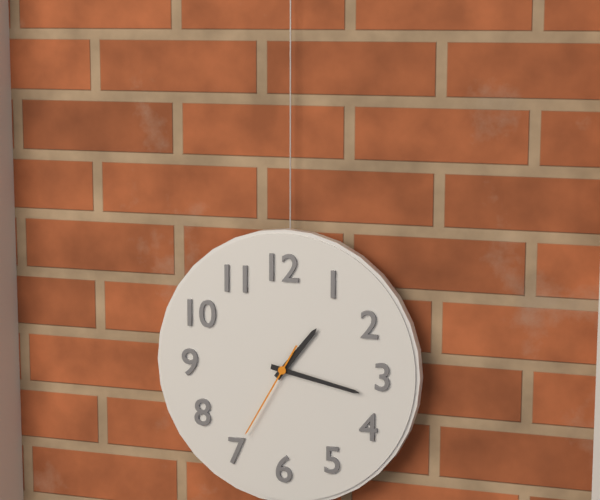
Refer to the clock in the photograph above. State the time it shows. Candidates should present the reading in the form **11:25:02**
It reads **1:17:35**
